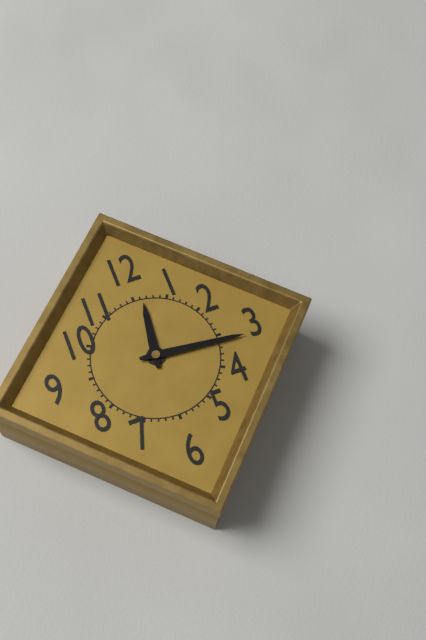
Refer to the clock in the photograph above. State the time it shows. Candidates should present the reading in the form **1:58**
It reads **12:16**
